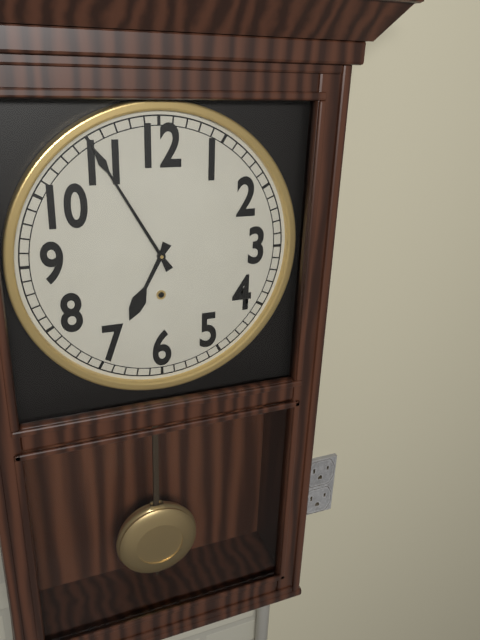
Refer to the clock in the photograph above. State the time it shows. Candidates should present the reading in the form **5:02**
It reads **6:55**
